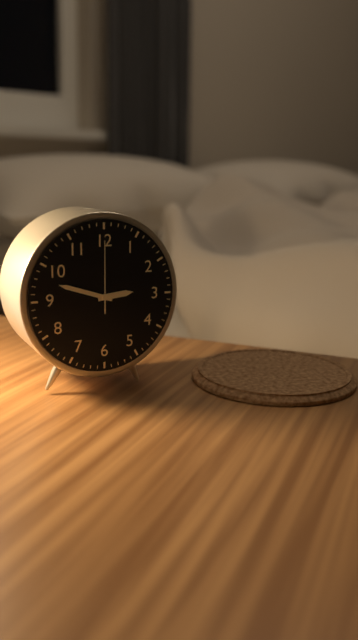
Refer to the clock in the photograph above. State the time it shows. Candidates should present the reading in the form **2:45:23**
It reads **2:48:00**
